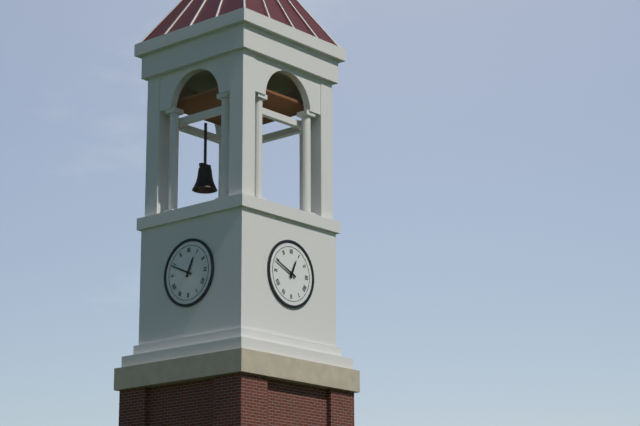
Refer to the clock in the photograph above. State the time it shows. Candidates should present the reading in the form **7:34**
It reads **12:49**
